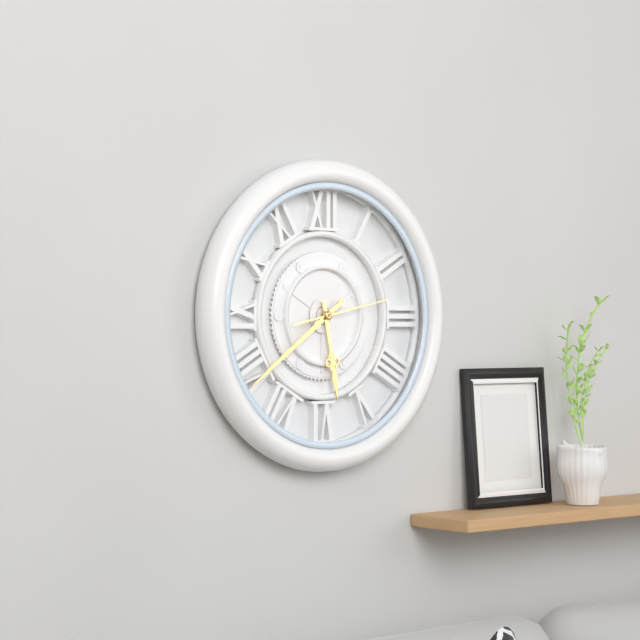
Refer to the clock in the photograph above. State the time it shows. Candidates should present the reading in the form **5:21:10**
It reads **5:39:13**
